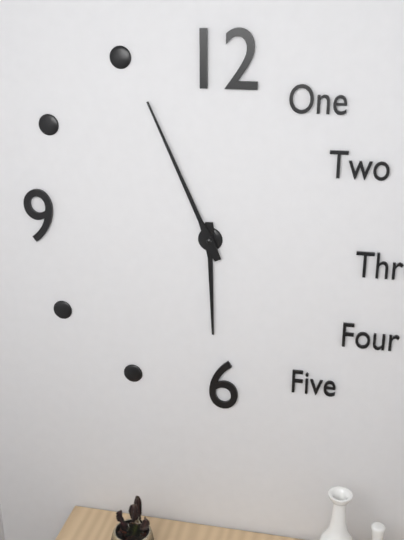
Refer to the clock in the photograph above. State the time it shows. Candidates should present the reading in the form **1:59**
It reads **5:56**
